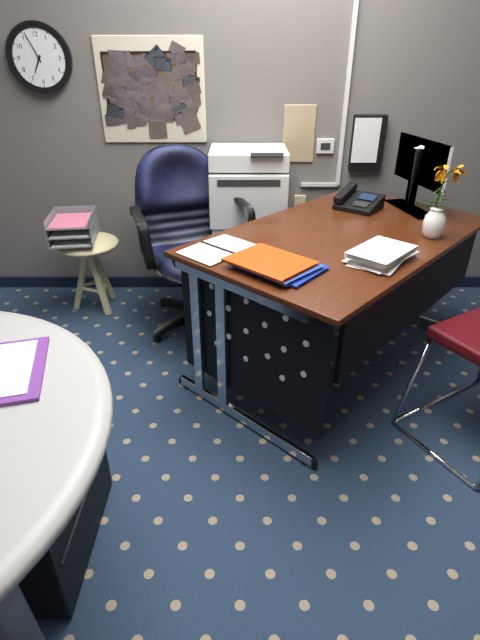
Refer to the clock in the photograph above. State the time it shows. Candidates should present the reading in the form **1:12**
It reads **6:56**
